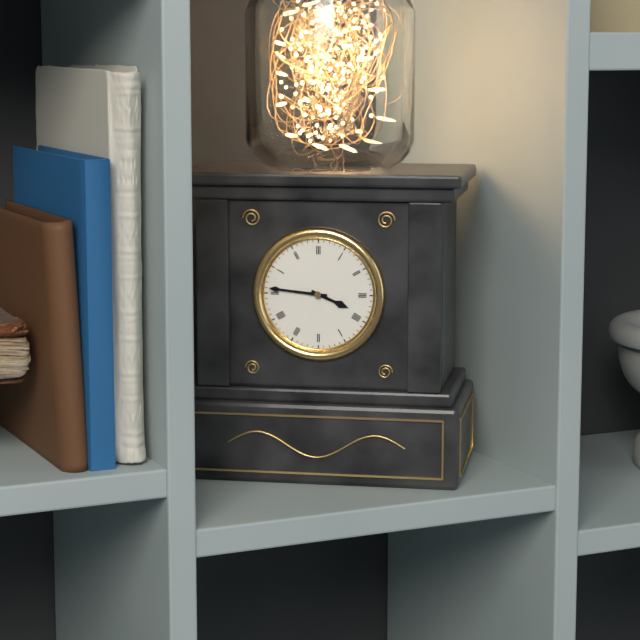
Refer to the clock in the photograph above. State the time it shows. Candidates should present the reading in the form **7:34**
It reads **3:46**
